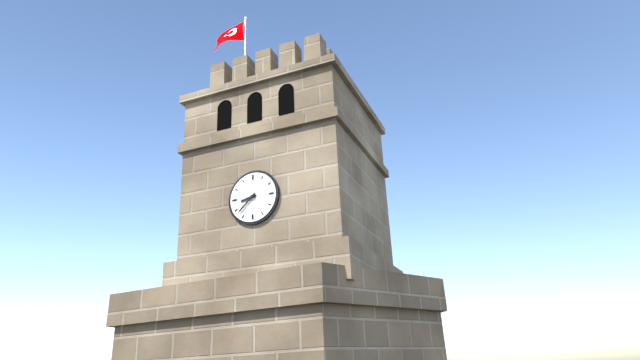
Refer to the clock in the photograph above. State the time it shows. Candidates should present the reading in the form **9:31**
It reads **8:38**
